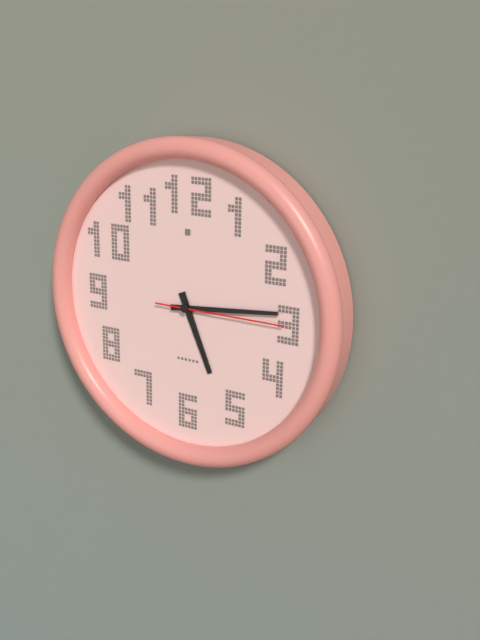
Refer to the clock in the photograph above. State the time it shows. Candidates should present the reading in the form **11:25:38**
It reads **5:14:15**
